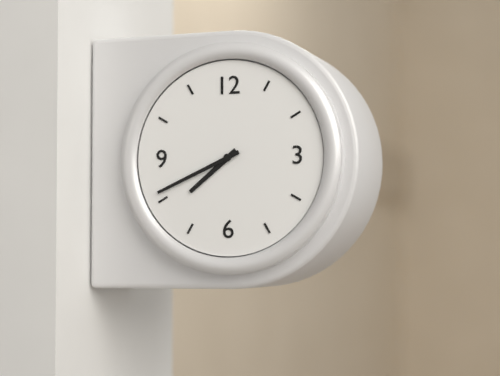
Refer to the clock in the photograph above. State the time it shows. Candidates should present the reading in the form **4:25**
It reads **7:41**
